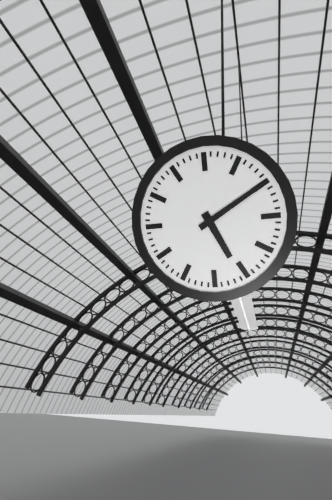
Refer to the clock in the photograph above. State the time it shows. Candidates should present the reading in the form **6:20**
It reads **5:10**
